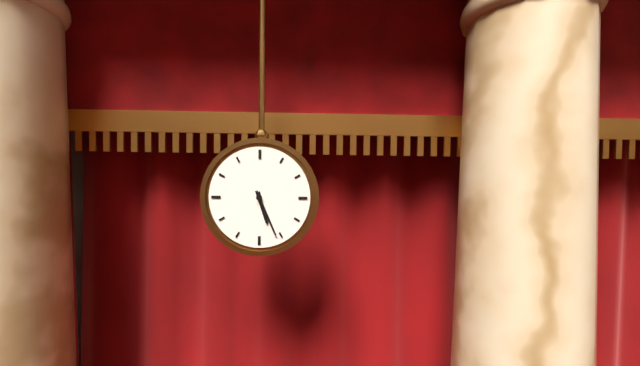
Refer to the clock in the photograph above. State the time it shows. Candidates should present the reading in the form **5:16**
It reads **5:26**
